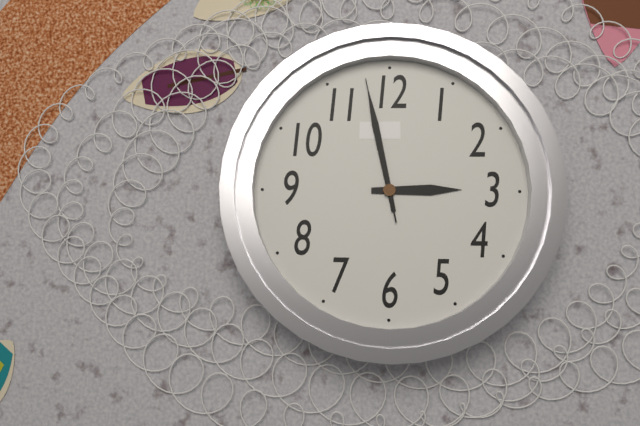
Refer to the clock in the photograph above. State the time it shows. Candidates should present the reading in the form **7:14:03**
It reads **2:58:58**
